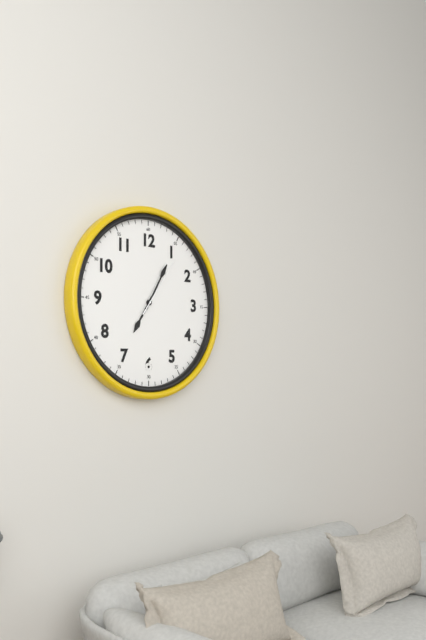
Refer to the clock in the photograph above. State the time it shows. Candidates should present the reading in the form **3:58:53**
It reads **7:05:06**
